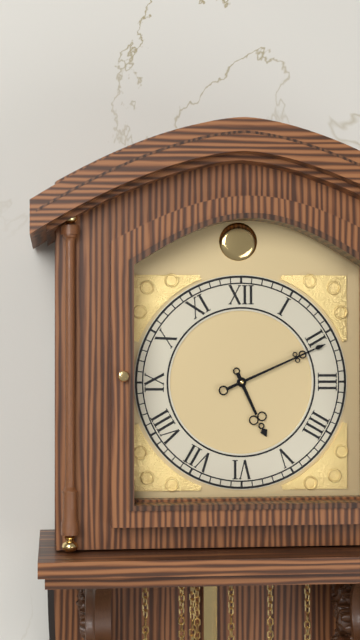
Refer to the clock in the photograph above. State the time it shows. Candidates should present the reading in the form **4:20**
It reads **5:11**
